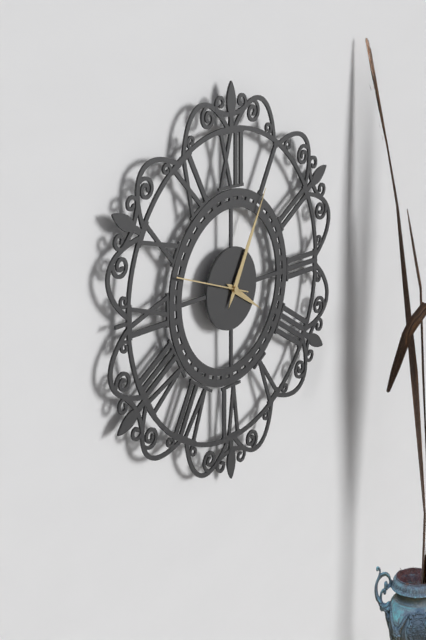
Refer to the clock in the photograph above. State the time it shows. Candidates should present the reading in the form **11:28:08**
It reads **4:05:48**
